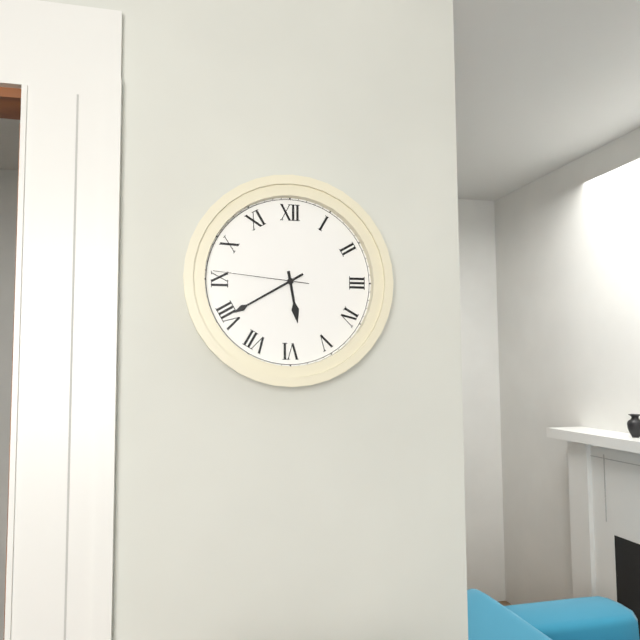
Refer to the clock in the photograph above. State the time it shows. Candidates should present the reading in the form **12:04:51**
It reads **5:40:46**
